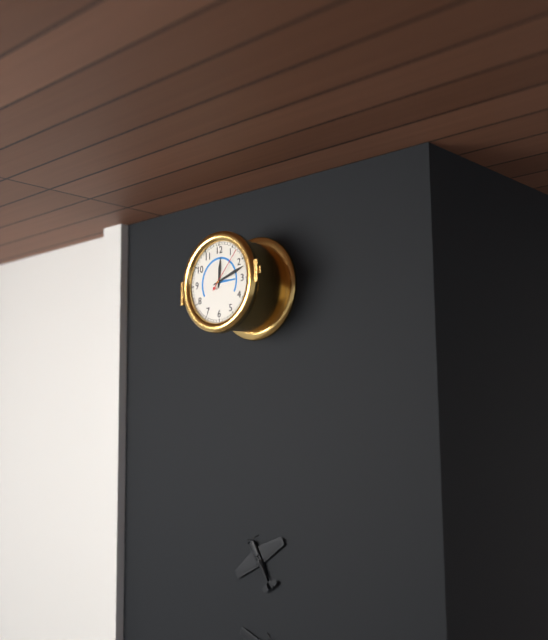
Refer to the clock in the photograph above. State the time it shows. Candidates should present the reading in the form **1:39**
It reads **12:12**
